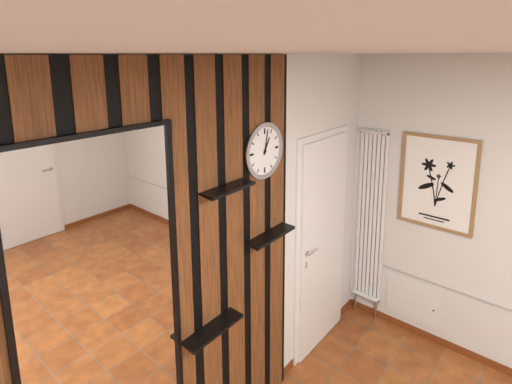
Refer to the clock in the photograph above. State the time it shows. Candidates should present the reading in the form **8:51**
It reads **1:02**
